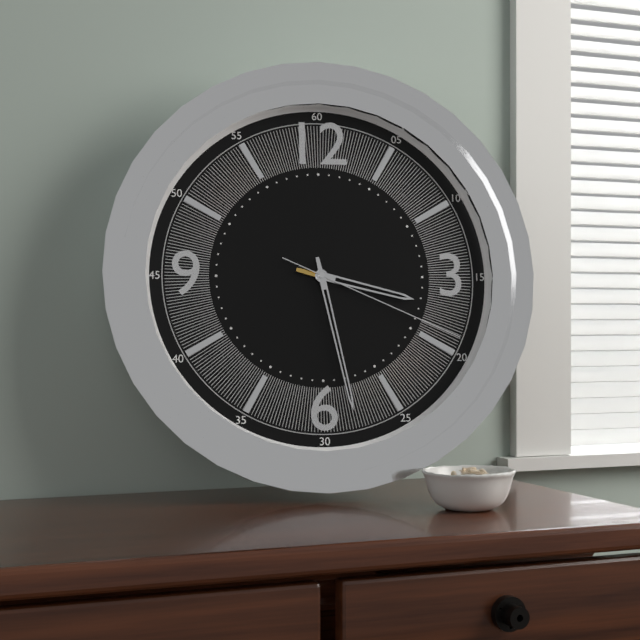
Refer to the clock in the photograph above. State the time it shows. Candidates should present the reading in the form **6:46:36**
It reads **3:28:19**
